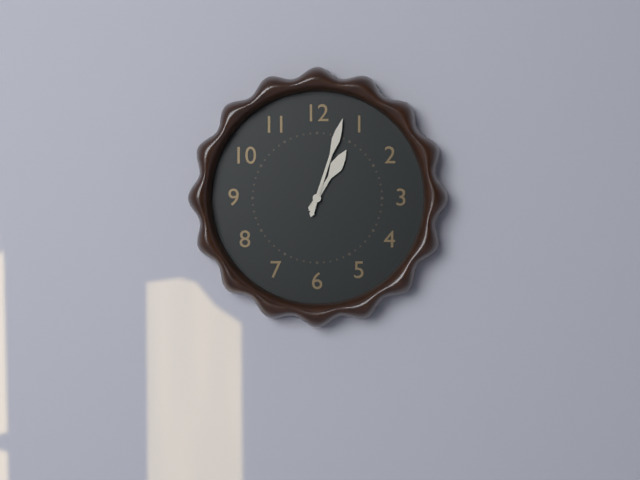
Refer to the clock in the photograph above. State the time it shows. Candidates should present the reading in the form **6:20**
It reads **1:03**
